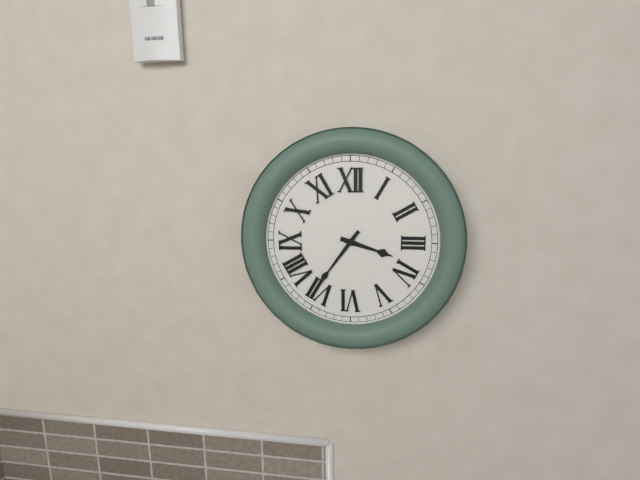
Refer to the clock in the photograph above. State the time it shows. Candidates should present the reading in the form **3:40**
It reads **3:36**
